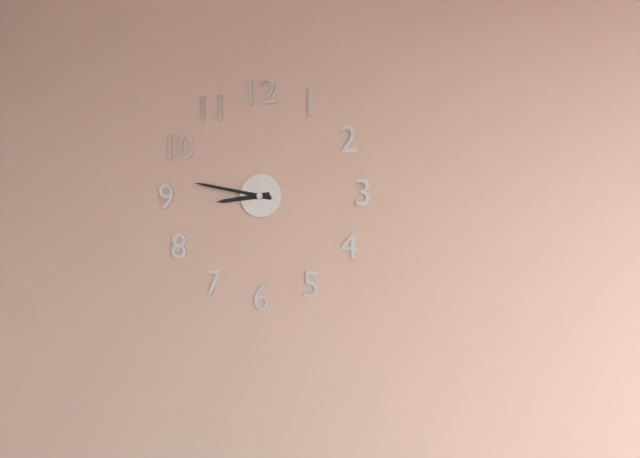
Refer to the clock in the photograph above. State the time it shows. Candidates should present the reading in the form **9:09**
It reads **8:47**
